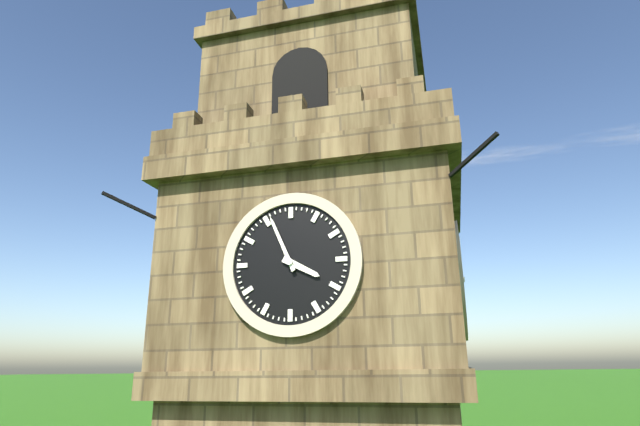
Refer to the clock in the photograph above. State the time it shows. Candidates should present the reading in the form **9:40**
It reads **3:56**
